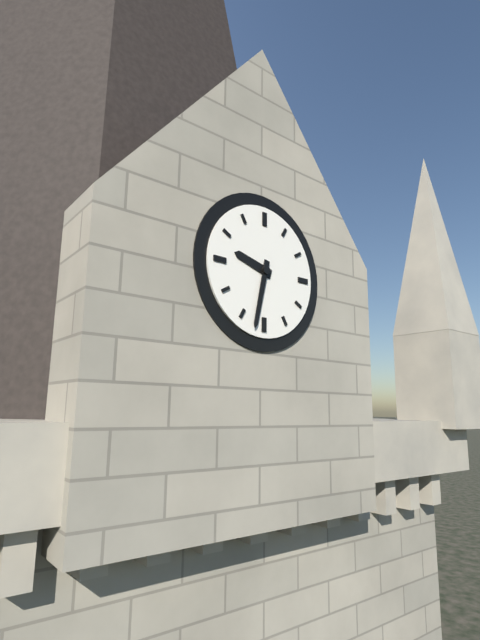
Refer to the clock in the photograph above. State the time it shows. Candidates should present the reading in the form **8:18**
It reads **9:32**
